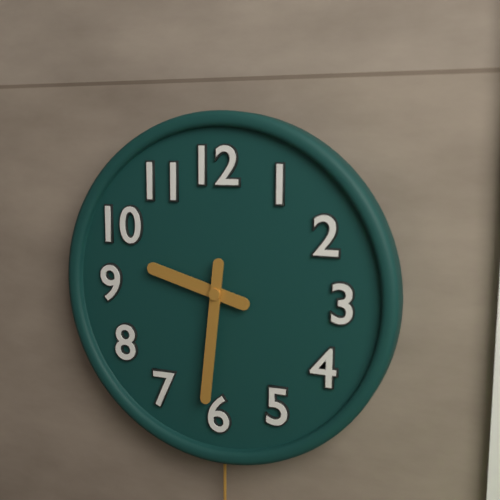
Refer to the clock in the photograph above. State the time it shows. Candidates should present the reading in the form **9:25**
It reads **9:31**
